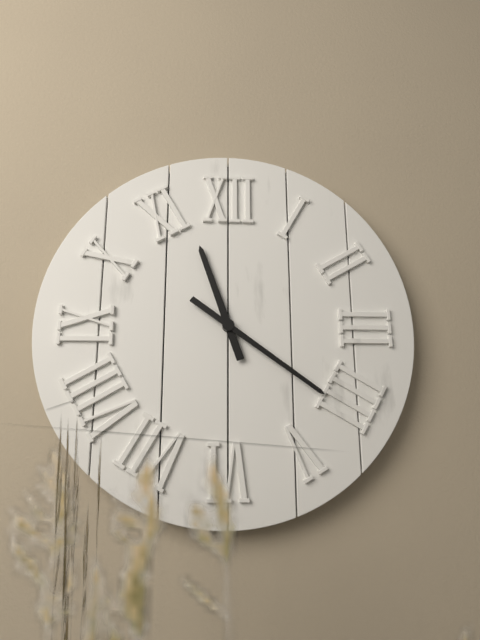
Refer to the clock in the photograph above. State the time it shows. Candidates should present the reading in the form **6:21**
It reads **11:21**
